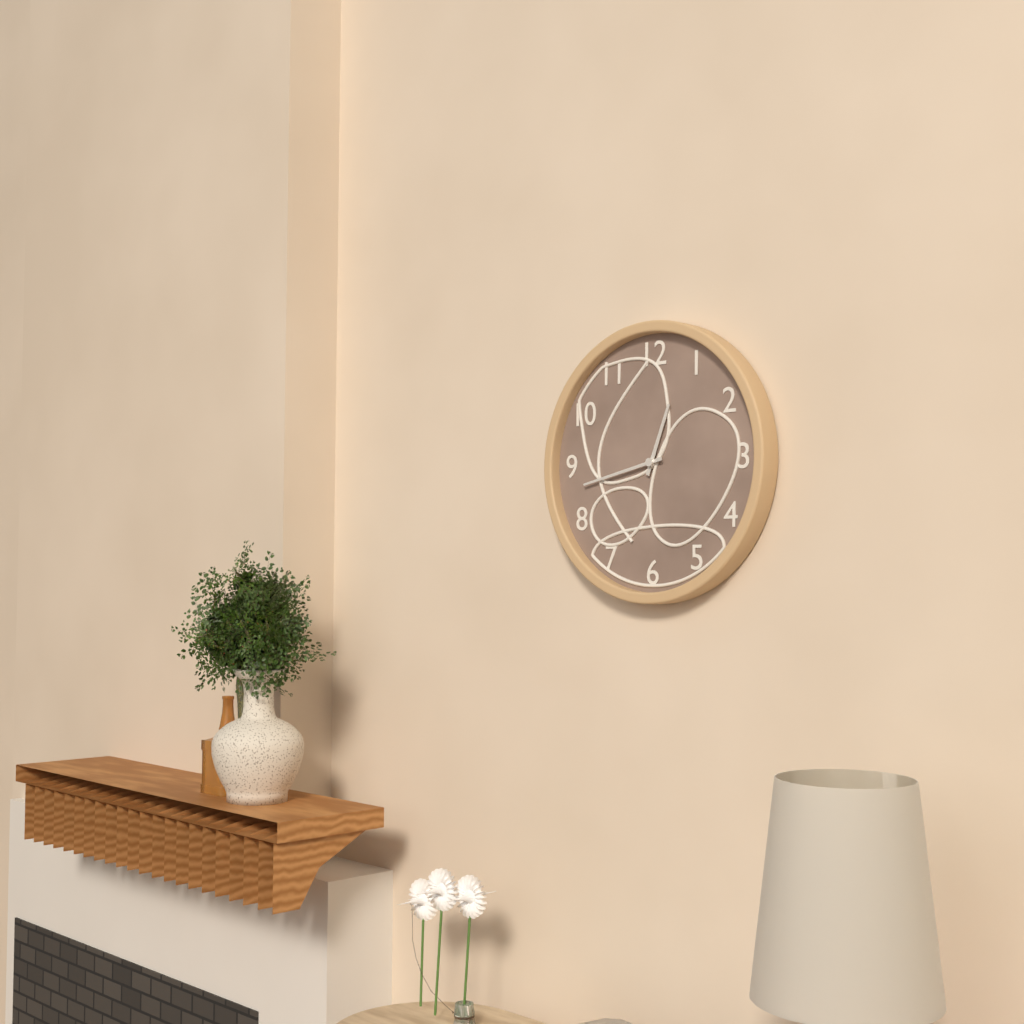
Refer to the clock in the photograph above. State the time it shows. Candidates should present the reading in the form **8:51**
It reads **12:43**
